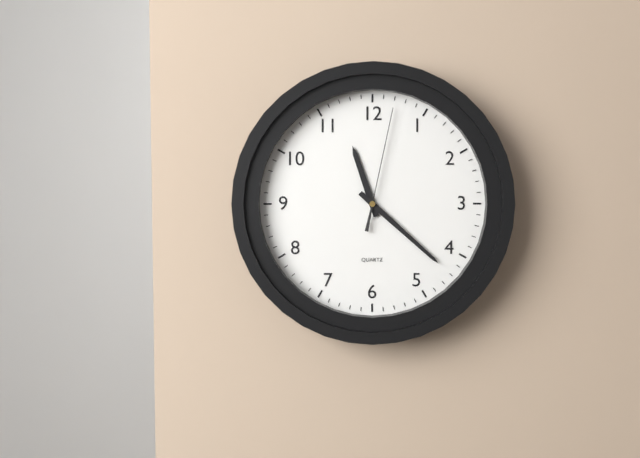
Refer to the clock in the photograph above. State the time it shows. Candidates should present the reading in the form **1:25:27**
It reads **11:22:02**
